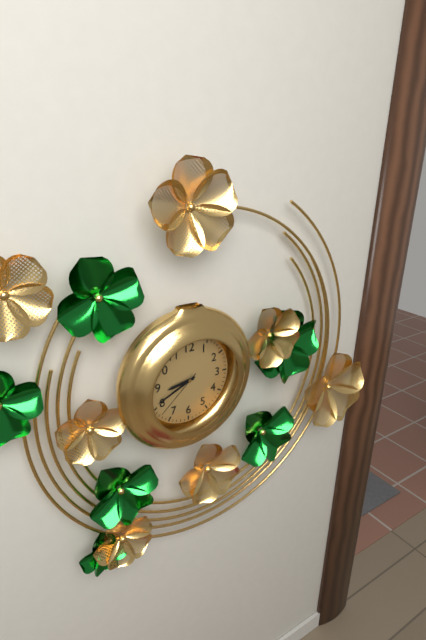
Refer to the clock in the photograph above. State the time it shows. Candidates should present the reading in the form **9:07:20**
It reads **8:41:38**
